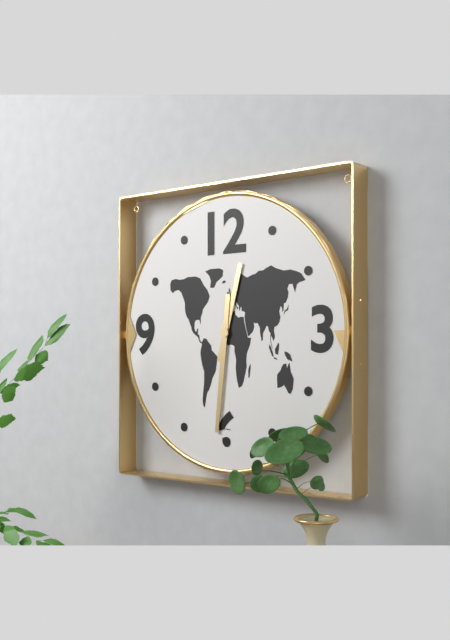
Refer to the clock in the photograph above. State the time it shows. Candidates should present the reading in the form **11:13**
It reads **12:31**
